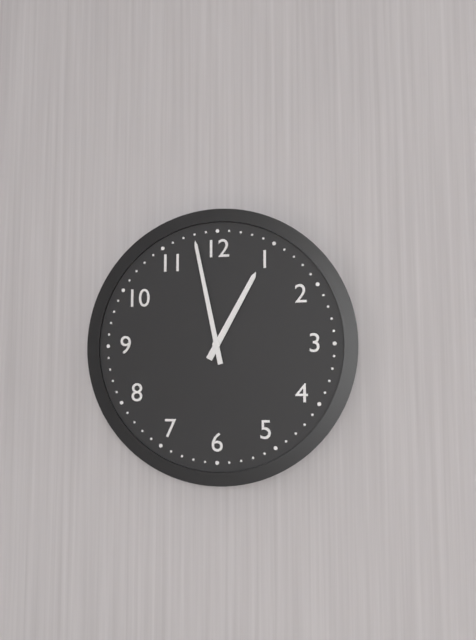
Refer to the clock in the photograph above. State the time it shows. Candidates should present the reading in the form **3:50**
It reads **12:58**
